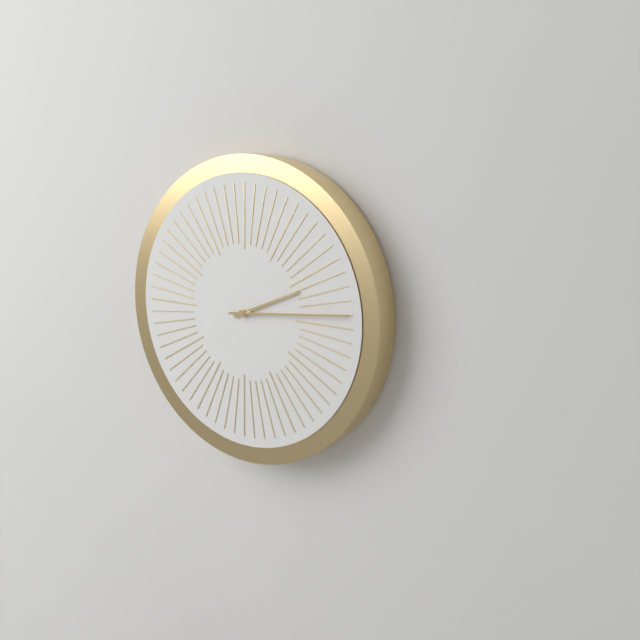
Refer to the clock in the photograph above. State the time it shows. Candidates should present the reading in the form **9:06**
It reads **2:14**
